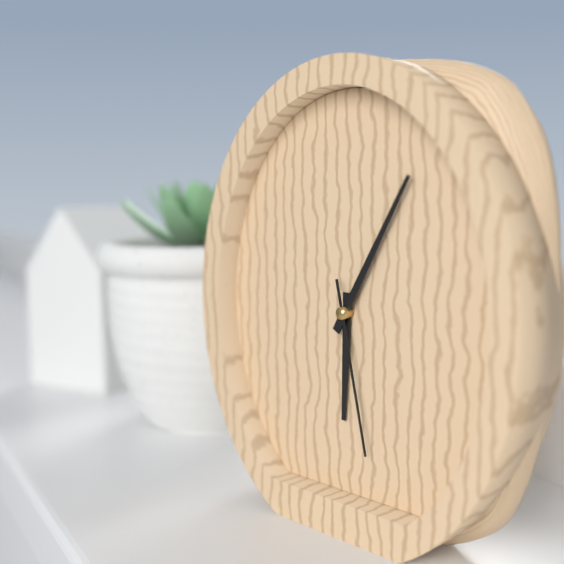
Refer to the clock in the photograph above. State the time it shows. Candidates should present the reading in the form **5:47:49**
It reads **6:05:28**
